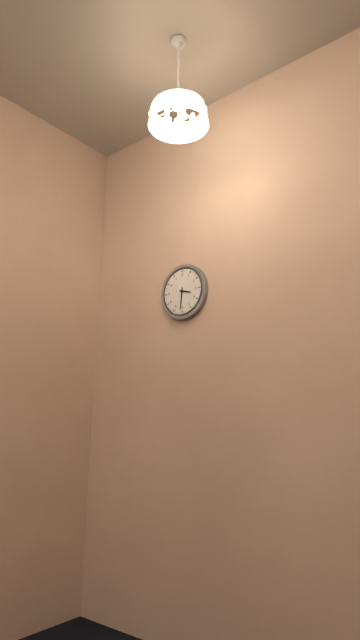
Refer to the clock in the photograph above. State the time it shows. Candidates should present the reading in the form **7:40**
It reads **3:31**
